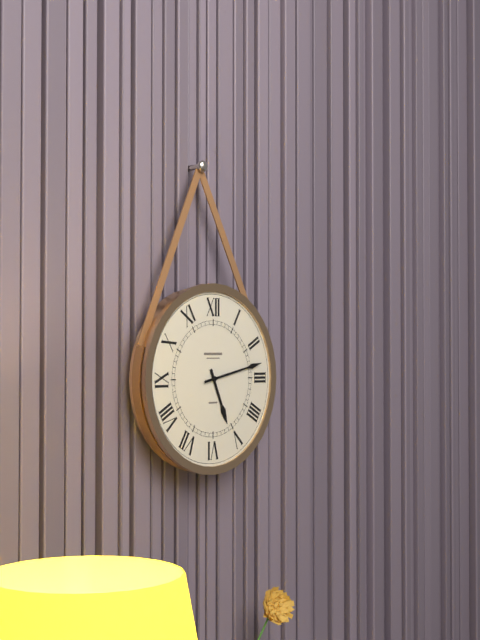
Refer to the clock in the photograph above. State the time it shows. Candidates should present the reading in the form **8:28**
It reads **5:13**
